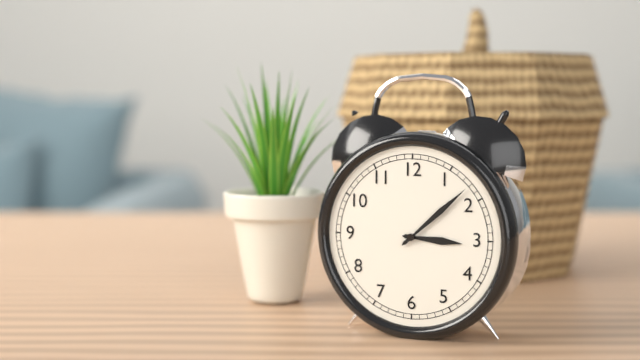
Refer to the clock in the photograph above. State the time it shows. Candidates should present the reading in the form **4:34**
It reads **3:08**
